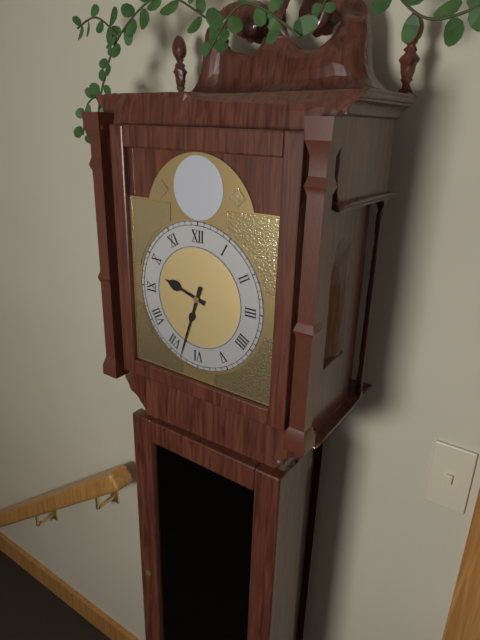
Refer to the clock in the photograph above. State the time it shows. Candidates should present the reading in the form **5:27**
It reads **9:33**
